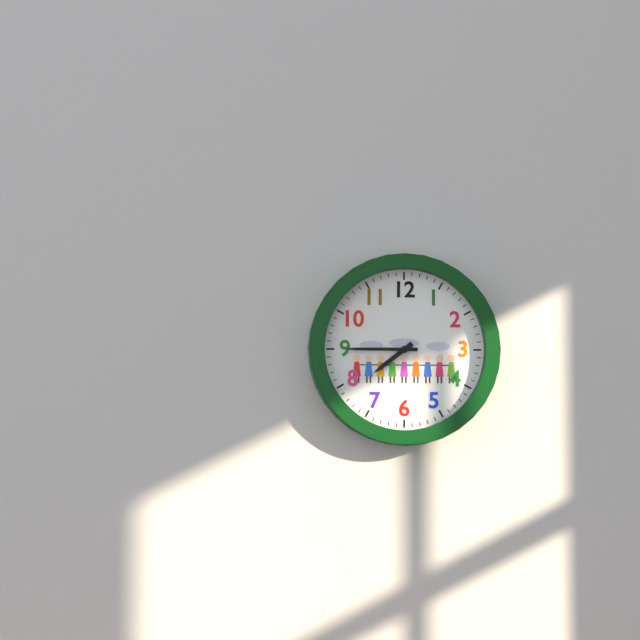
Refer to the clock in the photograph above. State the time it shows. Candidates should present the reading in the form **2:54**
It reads **7:45**
